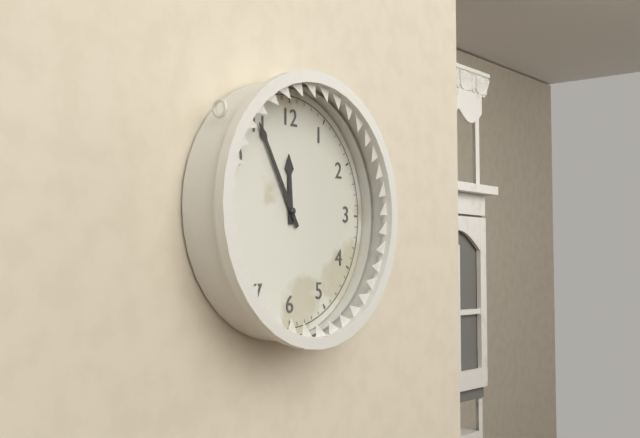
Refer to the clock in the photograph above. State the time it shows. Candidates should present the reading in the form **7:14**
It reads **11:55**
